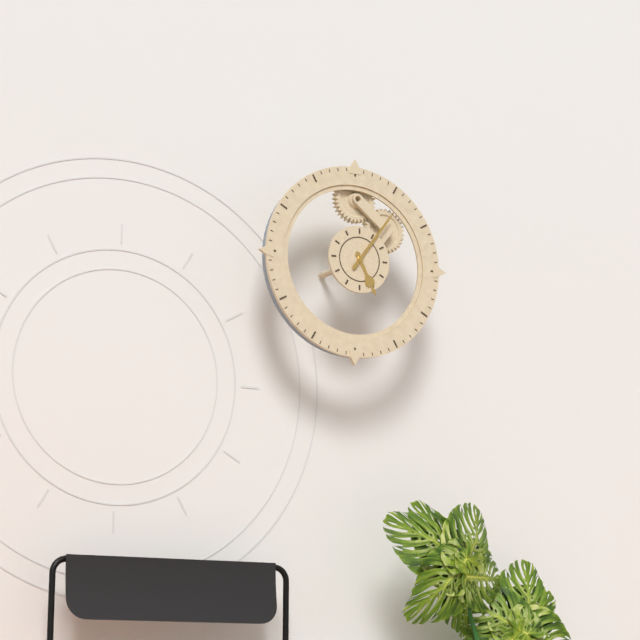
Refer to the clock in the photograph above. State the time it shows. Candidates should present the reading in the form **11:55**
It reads **5:06**
